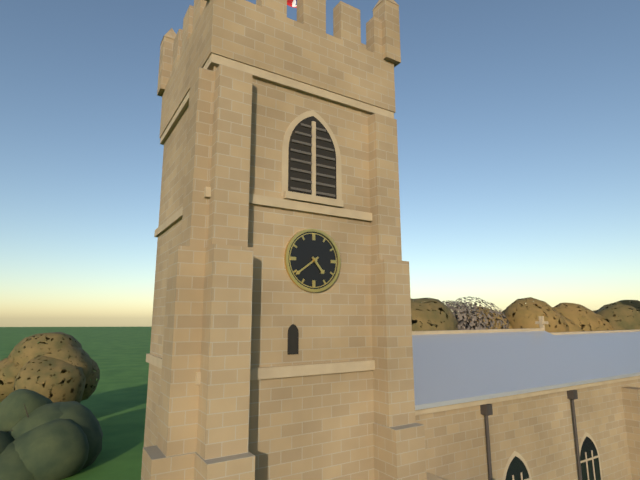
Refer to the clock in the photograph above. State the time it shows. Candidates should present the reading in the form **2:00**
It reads **4:39**
